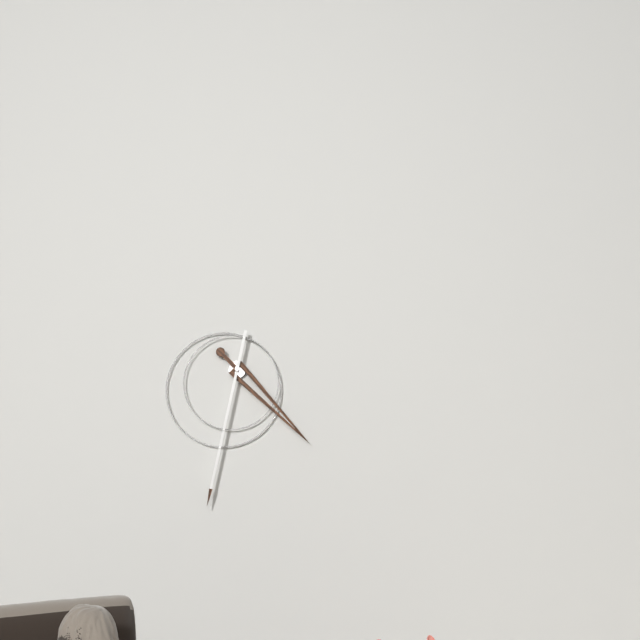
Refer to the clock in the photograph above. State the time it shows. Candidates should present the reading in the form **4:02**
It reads **4:32**
